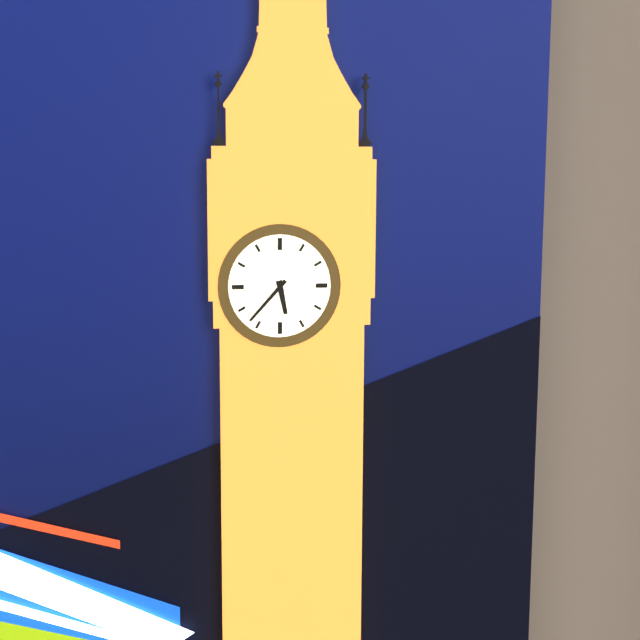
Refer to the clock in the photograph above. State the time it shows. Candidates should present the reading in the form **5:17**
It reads **5:37**
